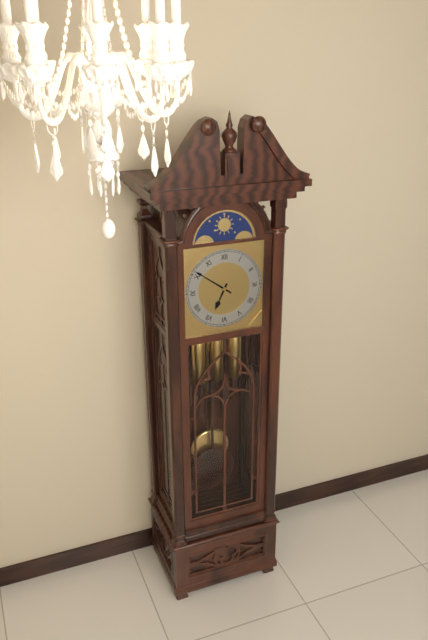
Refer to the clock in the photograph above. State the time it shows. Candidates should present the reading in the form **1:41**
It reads **6:51**
